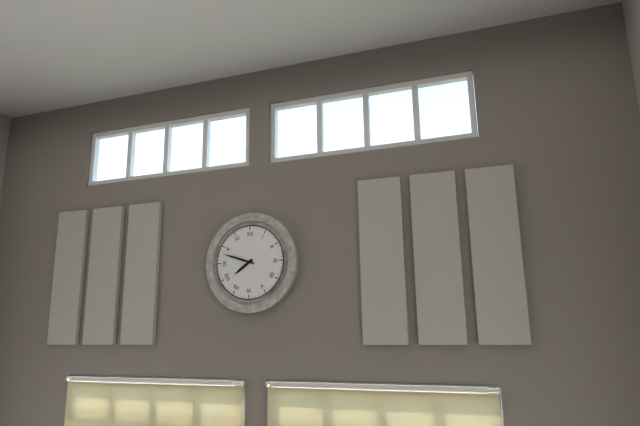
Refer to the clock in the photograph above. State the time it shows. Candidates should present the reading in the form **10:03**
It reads **7:48**
